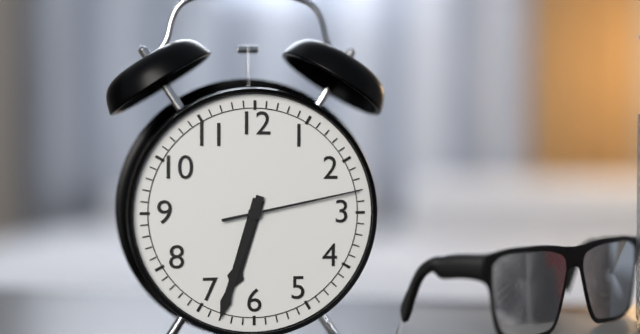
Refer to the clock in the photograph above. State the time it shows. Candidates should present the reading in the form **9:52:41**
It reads **6:33:13**
